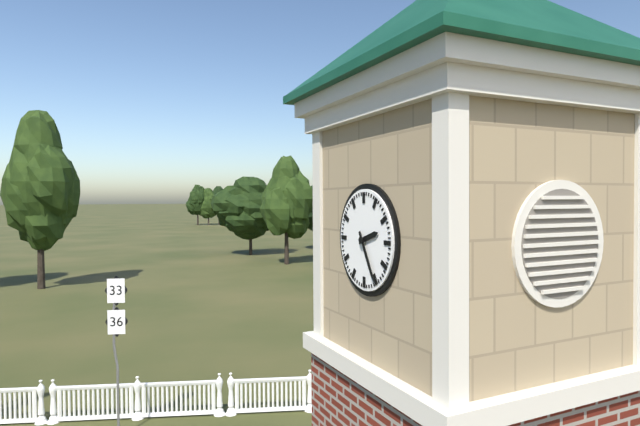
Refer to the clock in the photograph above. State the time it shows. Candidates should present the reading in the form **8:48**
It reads **2:25**
